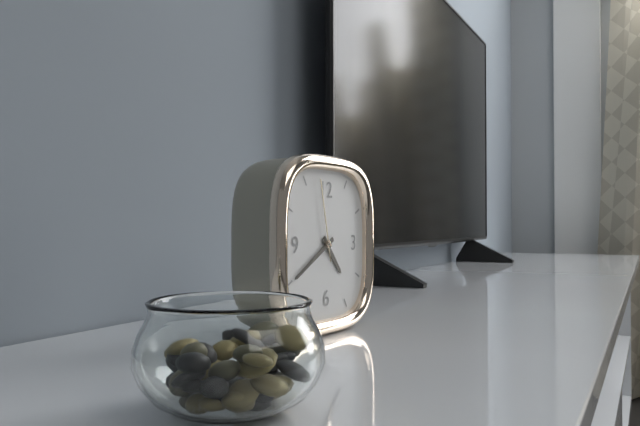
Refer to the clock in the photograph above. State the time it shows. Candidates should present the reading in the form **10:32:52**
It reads **4:40:58**
